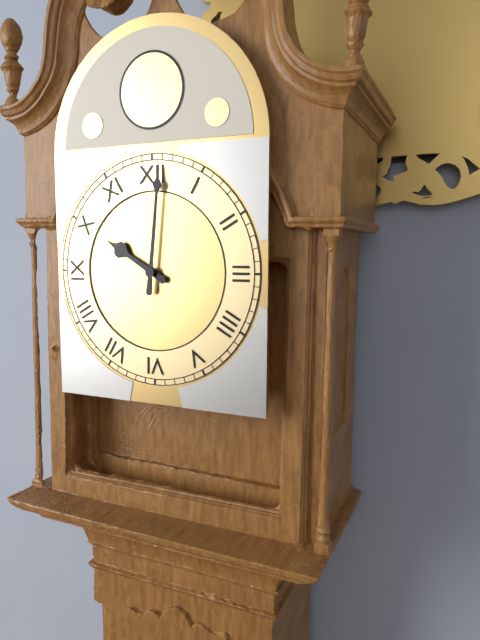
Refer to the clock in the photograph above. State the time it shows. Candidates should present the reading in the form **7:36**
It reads **10:01**
